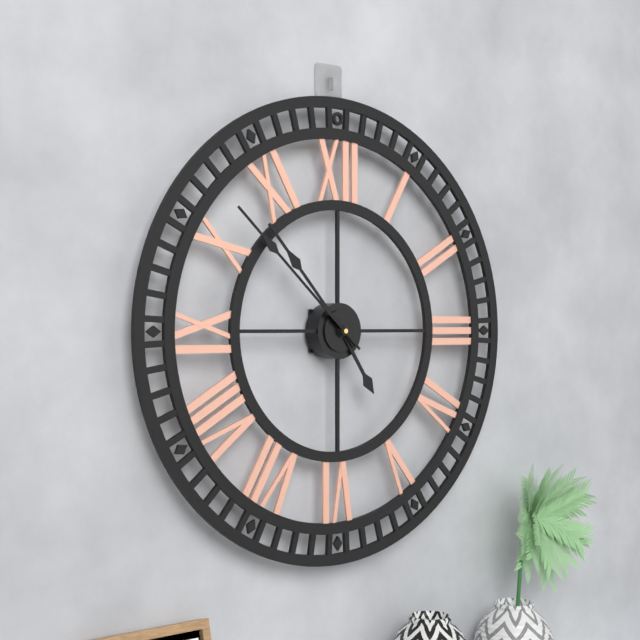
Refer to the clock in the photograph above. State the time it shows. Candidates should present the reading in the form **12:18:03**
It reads **4:53:52**
